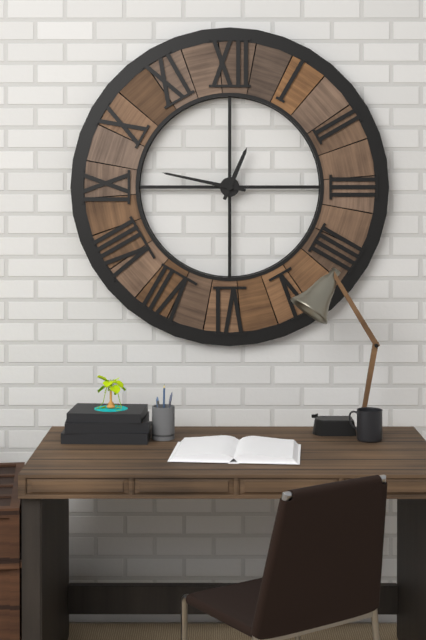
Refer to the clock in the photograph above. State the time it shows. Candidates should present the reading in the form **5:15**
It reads **12:47**
